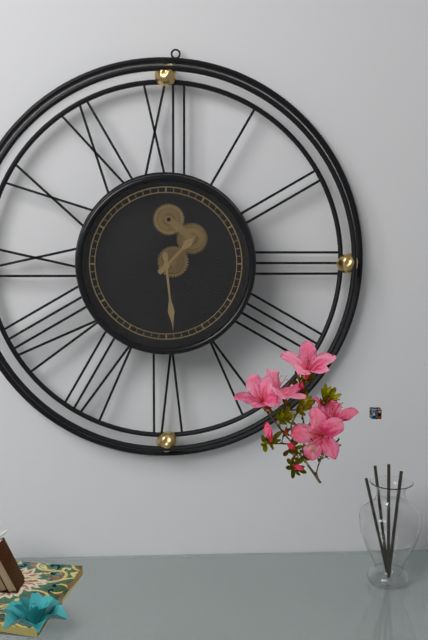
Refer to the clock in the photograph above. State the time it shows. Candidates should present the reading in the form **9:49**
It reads **1:29**
